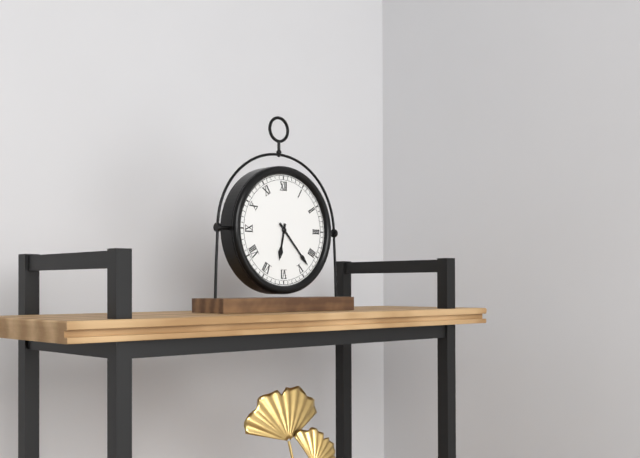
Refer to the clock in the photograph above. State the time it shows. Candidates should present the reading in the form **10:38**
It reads **6:23**
